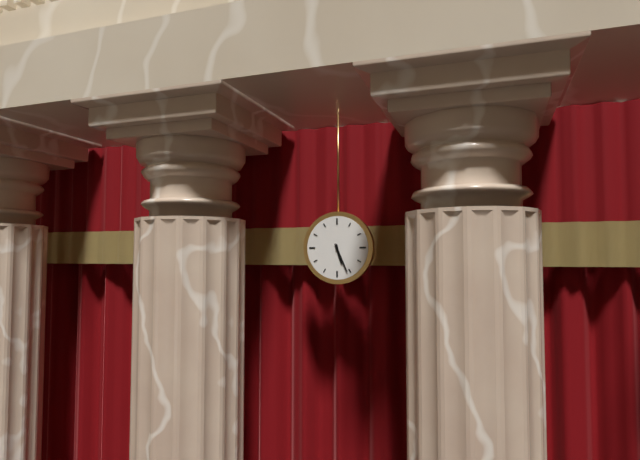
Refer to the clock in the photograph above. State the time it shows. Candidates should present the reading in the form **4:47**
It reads **5:26**
